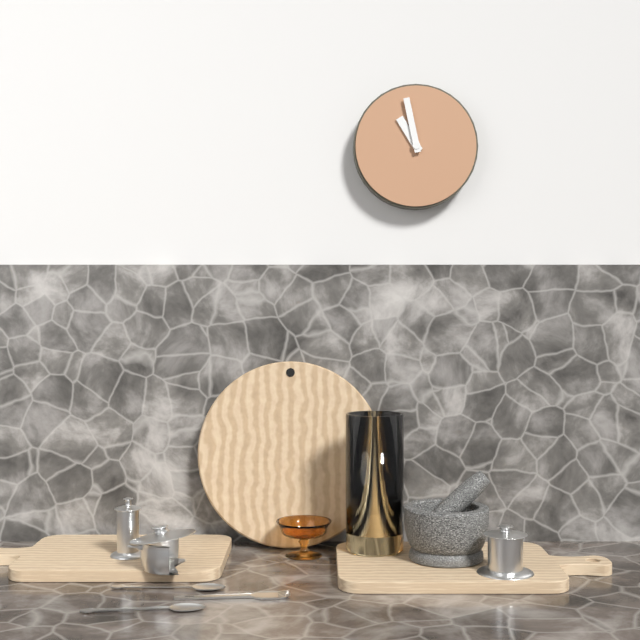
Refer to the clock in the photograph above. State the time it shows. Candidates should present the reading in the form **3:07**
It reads **10:58**
